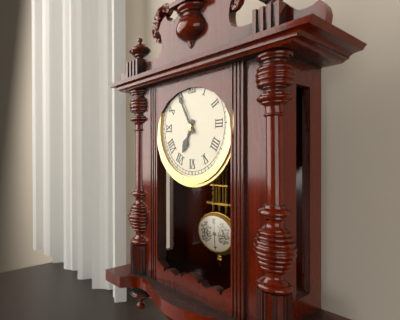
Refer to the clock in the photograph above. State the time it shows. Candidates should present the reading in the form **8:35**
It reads **6:55**
